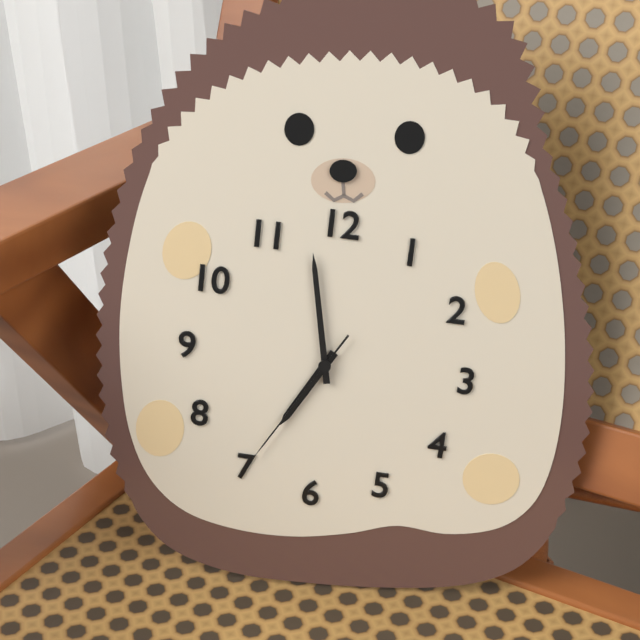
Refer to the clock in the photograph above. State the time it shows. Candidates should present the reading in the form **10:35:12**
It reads **6:58:35**
